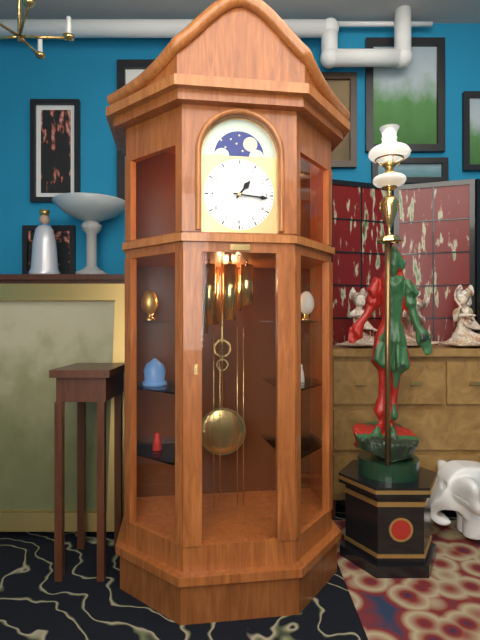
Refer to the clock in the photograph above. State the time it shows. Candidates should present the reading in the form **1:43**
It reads **1:16**
